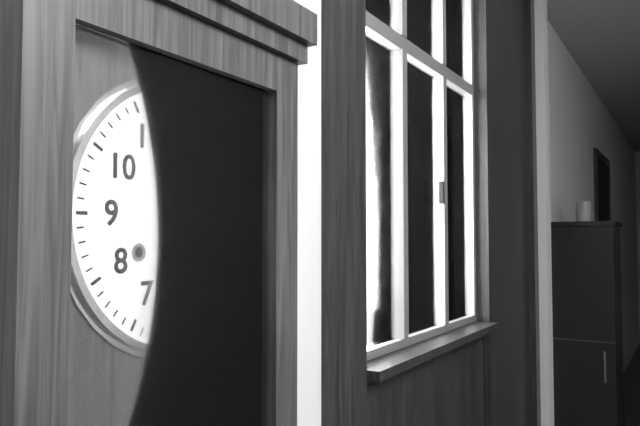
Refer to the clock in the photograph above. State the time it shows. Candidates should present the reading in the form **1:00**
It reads **5:06**
